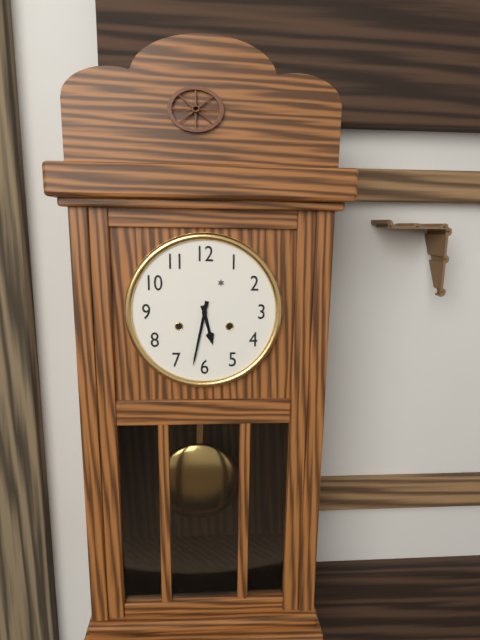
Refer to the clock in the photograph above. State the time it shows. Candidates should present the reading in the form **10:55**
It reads **5:32**
